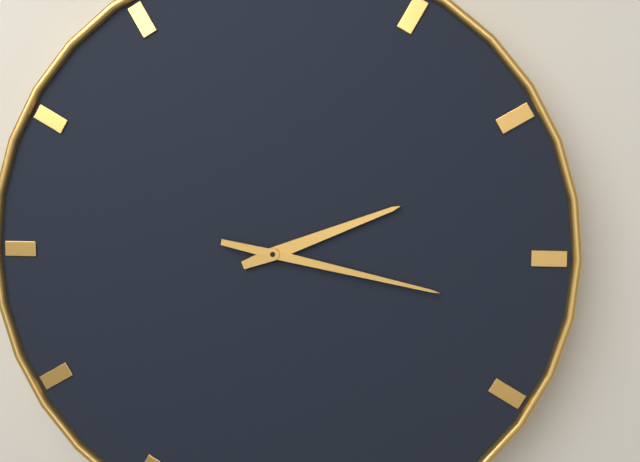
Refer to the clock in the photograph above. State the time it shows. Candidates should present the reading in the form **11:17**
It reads **2:17**
